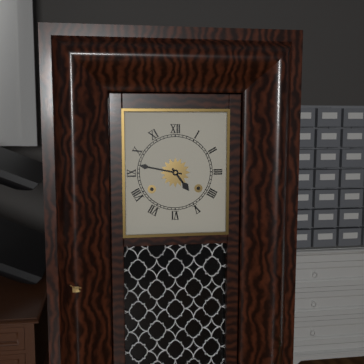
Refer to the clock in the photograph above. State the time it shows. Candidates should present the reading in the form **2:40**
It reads **4:47**
